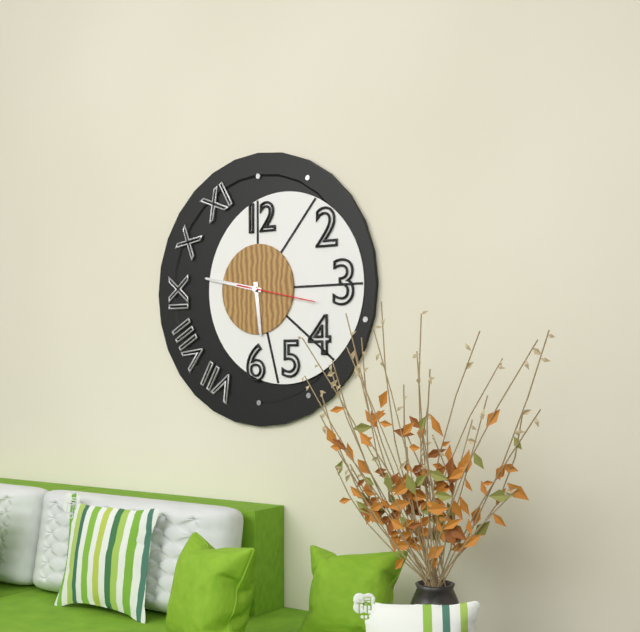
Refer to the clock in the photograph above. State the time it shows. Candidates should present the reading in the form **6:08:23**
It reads **5:47:17**
